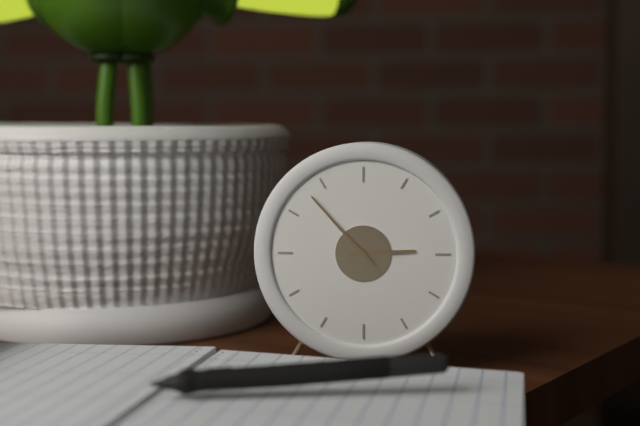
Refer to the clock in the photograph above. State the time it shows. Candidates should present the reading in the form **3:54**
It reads **2:53**
